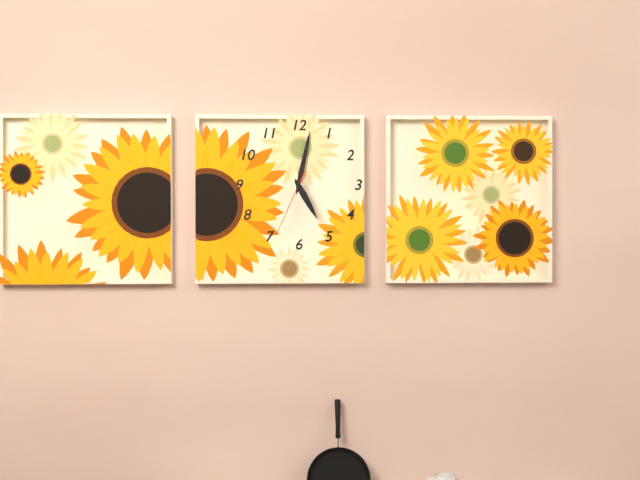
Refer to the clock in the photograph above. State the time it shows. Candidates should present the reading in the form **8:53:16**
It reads **5:02:34**
